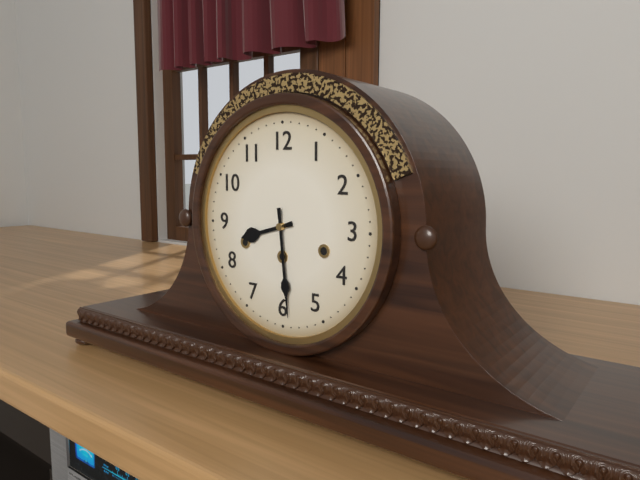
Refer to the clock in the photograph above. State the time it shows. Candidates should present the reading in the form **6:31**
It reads **8:29**
